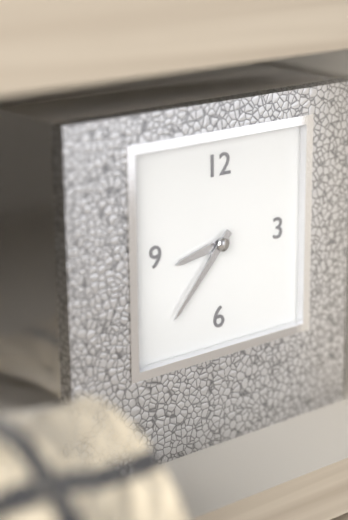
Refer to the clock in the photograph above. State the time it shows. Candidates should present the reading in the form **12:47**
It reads **8:37**
